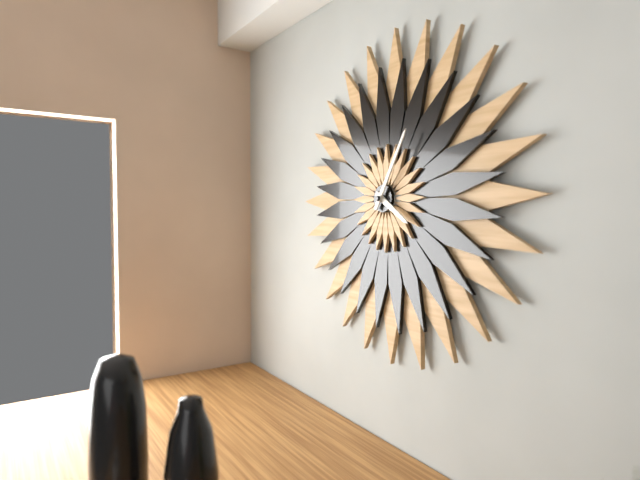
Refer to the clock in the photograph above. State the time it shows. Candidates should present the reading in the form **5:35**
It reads **4:05**
